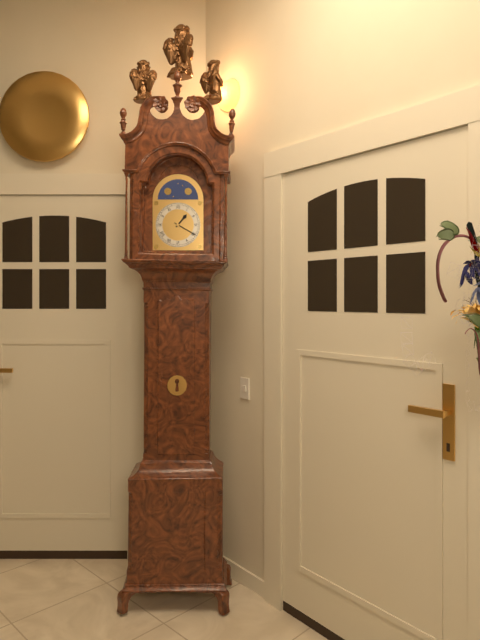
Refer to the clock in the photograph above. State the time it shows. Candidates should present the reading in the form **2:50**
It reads **1:20**
